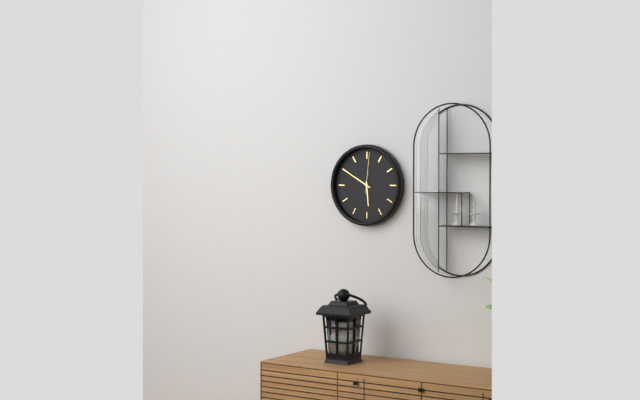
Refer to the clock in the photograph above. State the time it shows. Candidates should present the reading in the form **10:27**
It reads **5:50**
